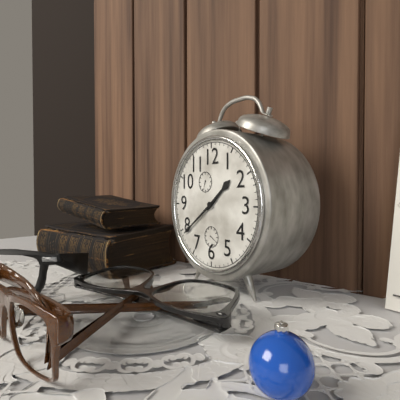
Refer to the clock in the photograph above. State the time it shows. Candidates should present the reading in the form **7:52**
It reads **1:39**
